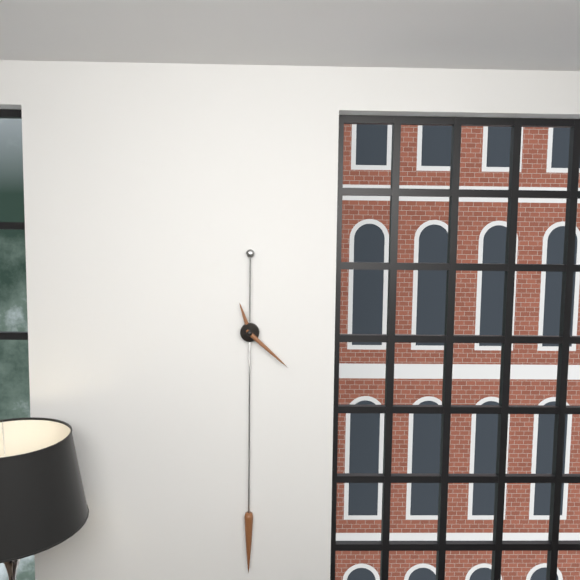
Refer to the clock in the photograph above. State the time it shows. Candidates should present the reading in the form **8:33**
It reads **11:22**
